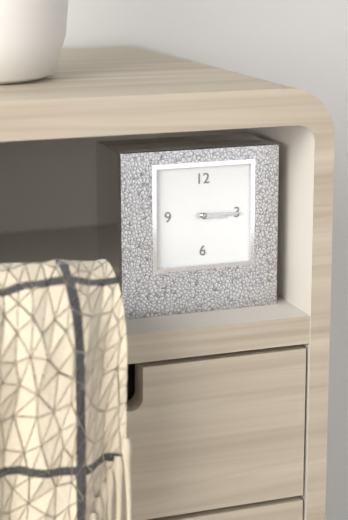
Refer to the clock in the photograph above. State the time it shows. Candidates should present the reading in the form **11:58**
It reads **3:15**
